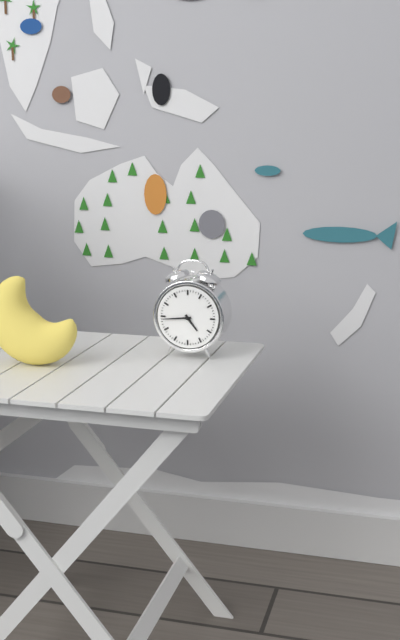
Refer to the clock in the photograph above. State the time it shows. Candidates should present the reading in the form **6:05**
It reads **4:44**
